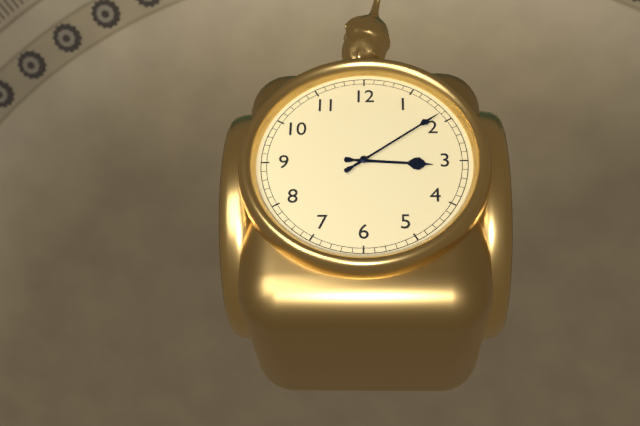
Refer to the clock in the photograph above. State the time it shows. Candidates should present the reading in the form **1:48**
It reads **3:09**
